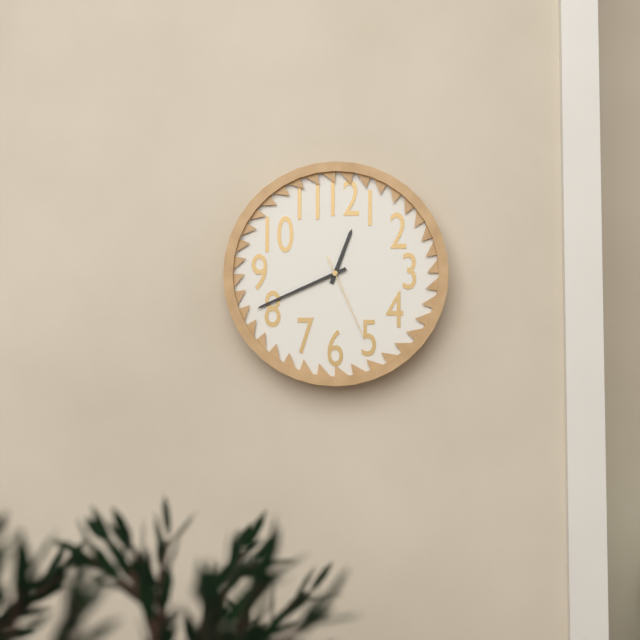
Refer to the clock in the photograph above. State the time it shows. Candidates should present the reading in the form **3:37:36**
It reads **12:41:26**
